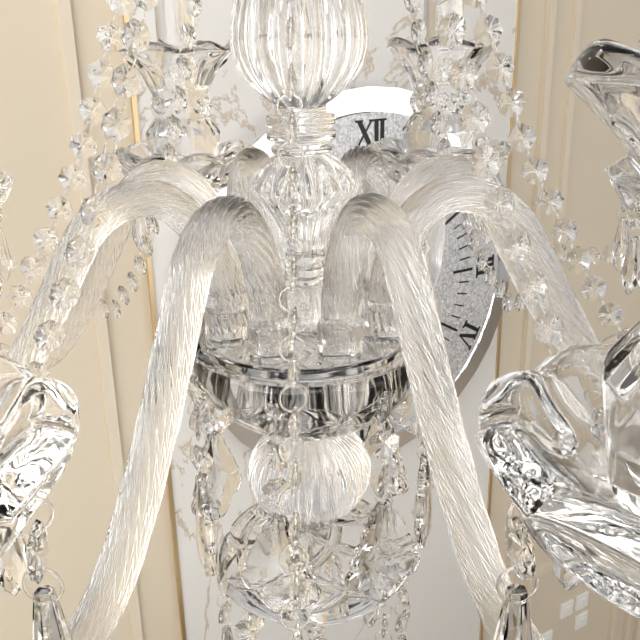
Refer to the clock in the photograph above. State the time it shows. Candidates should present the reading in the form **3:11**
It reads **5:03**
